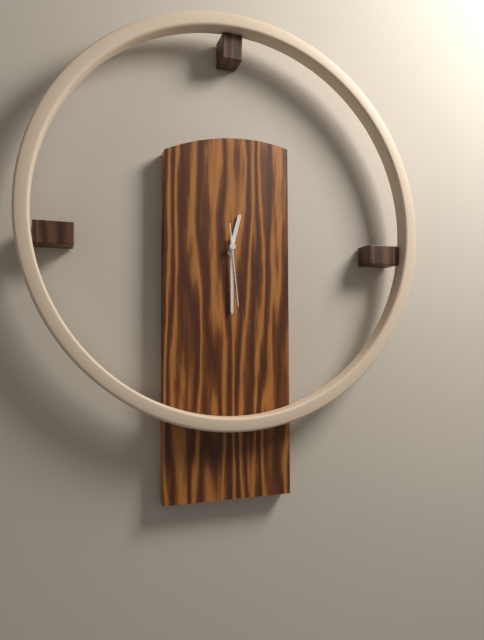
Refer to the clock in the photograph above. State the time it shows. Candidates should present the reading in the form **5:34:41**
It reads **12:30:29**
